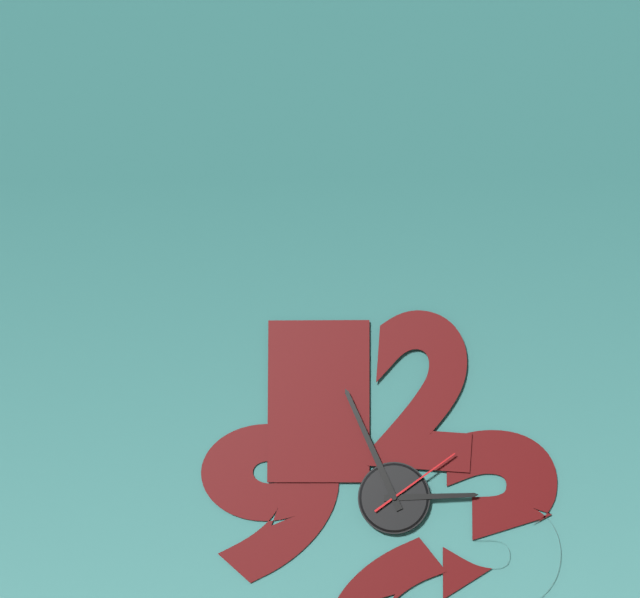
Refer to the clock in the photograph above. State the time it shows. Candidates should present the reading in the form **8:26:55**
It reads **2:56:09**
